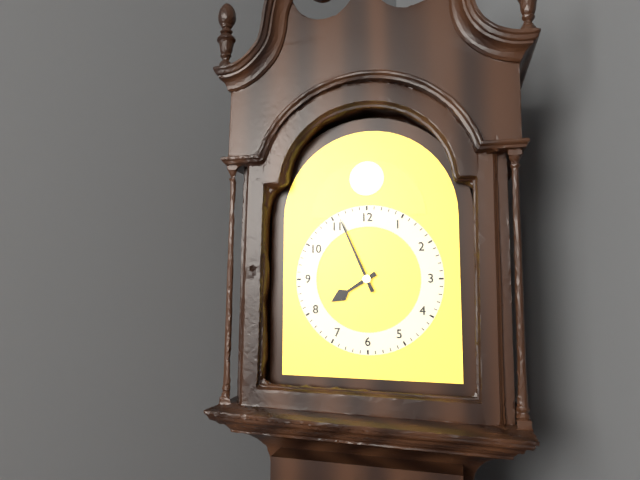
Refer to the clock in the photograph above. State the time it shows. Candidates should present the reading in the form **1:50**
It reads **7:56**
